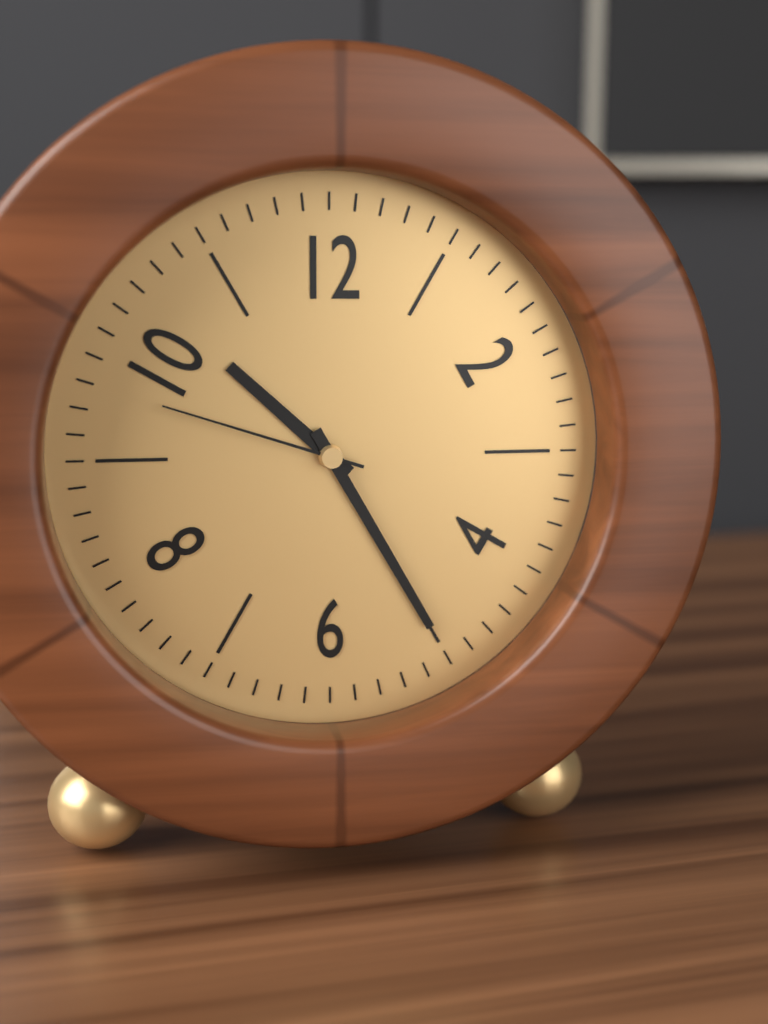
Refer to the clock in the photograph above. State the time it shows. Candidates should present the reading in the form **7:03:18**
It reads **10:25:48**
